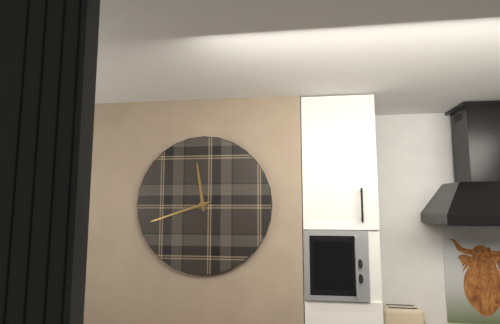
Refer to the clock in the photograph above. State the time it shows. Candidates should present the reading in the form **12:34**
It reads **11:42**
